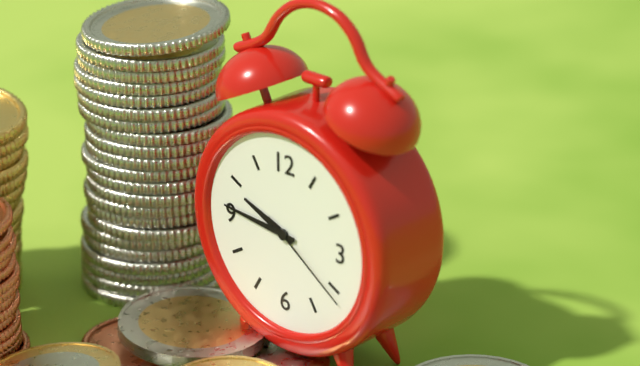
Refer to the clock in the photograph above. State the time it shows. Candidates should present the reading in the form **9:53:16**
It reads **9:46:21**
